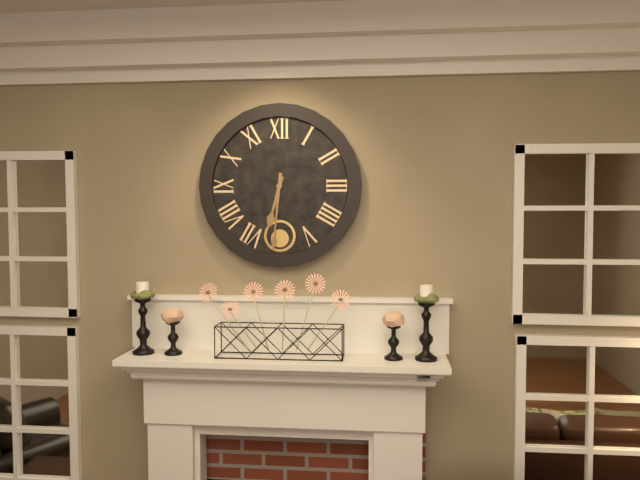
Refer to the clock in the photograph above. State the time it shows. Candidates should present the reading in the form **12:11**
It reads **6:31**
